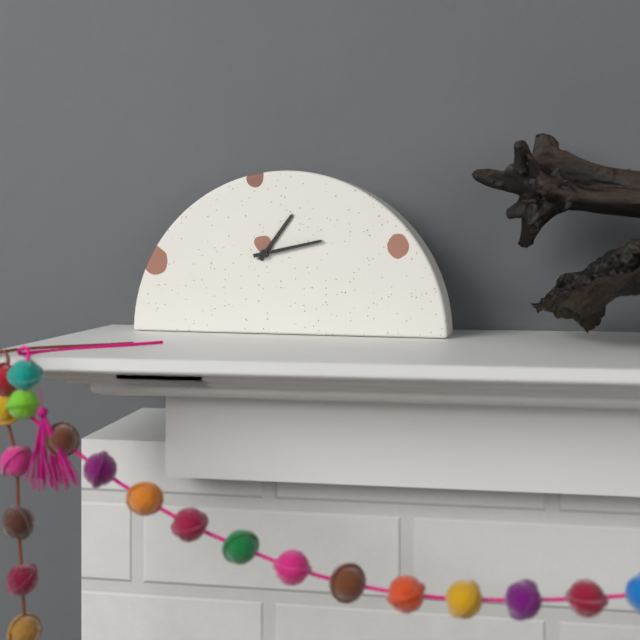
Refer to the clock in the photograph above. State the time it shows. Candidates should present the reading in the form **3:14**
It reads **1:13**
